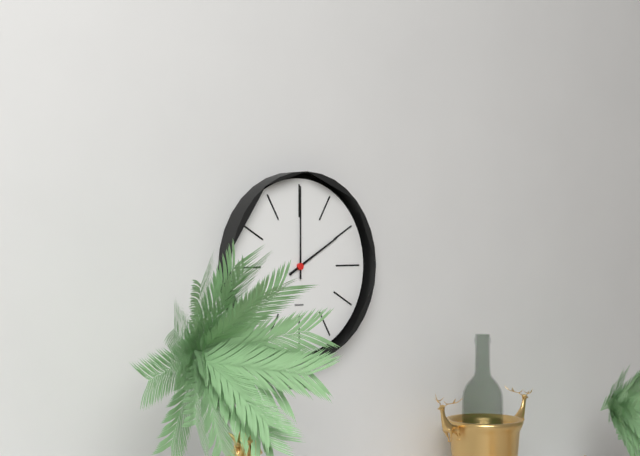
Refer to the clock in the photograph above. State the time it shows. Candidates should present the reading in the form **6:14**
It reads **2:00**
